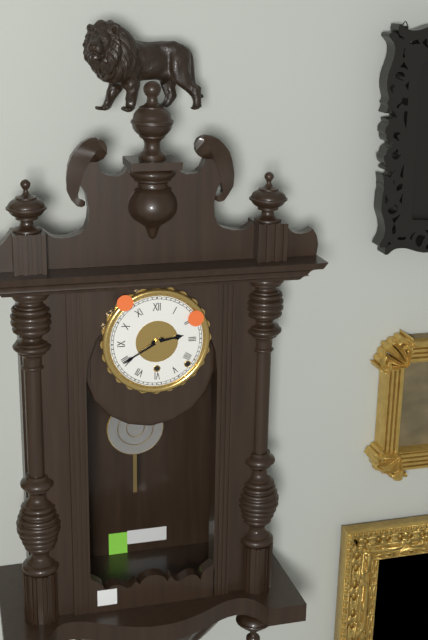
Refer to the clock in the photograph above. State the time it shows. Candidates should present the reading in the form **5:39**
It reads **2:40**
